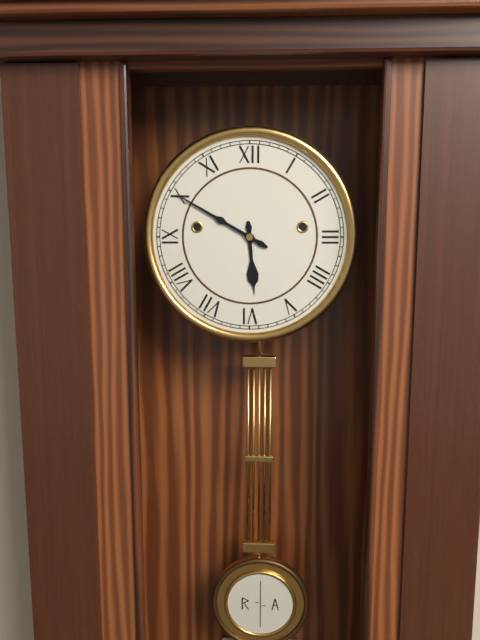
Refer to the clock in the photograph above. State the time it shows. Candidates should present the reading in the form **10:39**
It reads **5:50**
